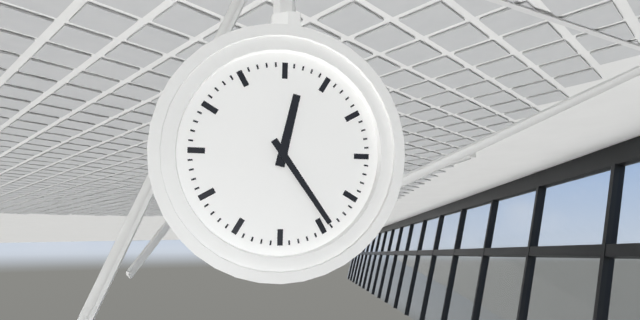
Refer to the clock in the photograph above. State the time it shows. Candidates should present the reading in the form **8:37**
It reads **12:24**
